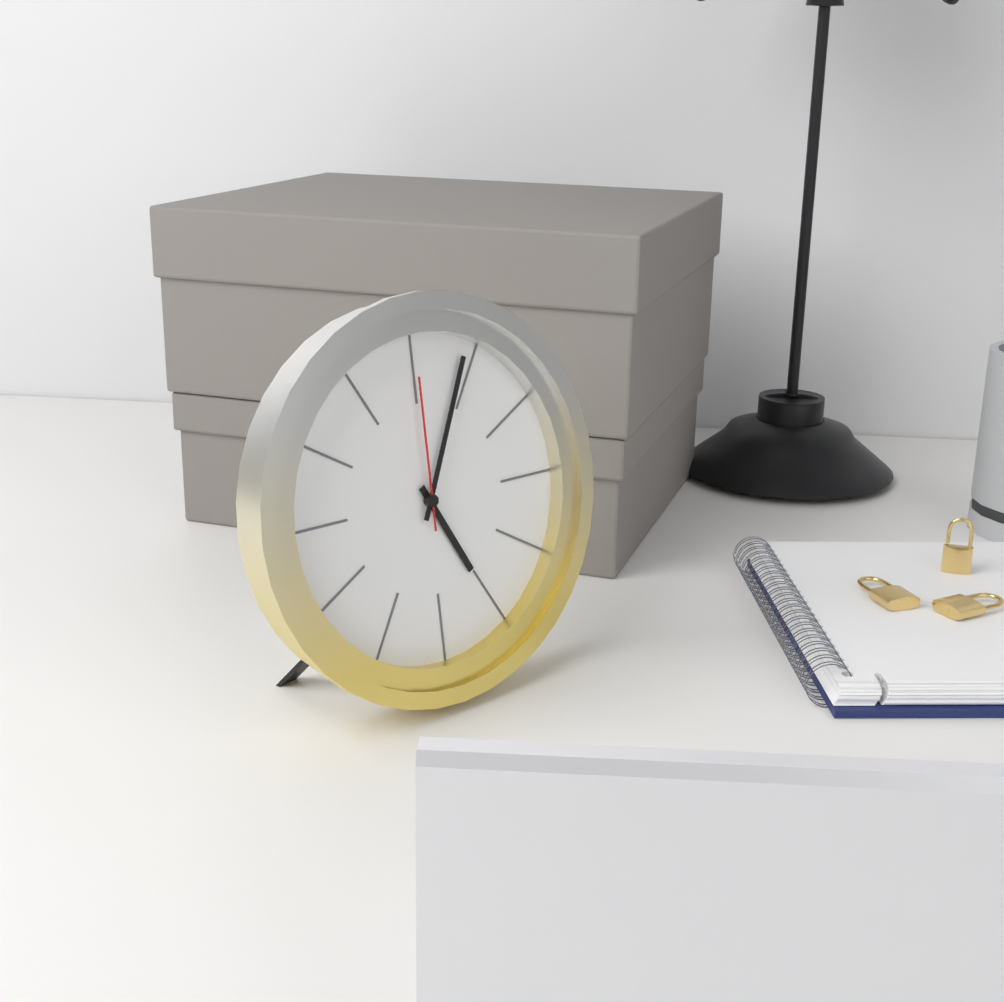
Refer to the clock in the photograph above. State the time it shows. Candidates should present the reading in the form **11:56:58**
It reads **5:04:00**
